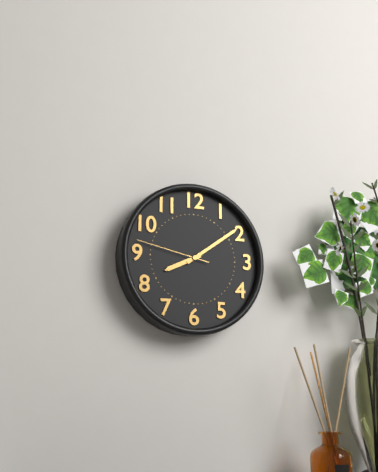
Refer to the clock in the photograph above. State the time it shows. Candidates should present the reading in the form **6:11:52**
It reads **8:09:47**
